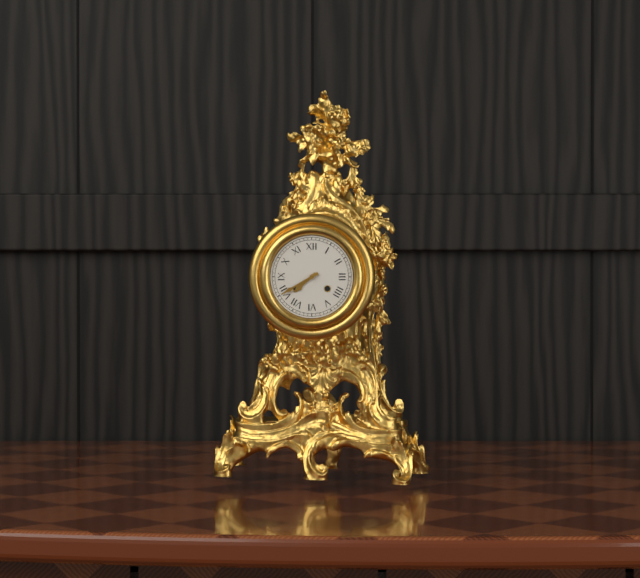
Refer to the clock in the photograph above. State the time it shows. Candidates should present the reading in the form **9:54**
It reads **7:40**
